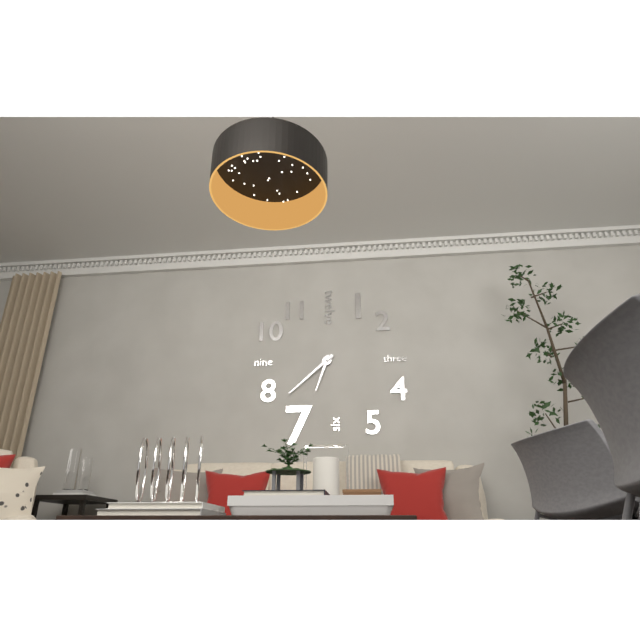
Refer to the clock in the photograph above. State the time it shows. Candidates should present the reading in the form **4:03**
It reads **6:38**
